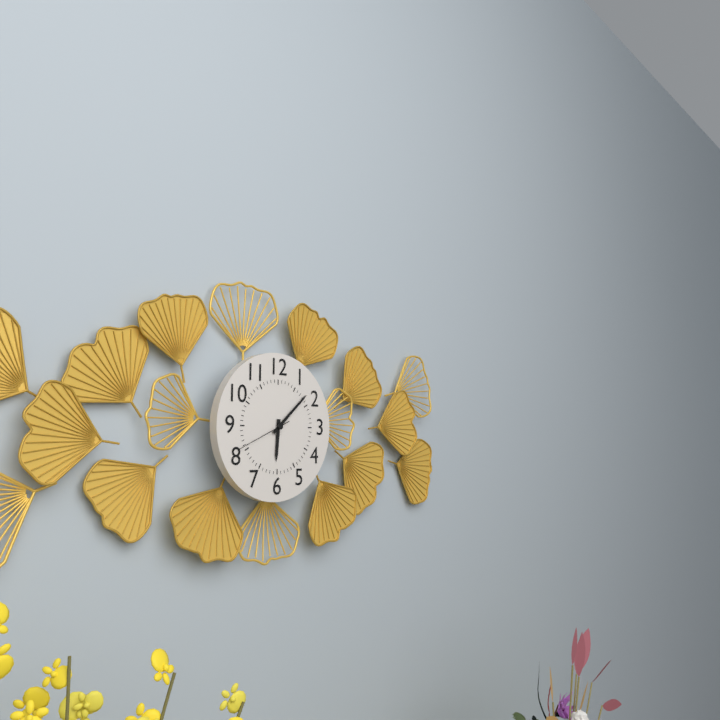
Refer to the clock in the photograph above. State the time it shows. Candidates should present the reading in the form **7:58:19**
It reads **6:08:41**
